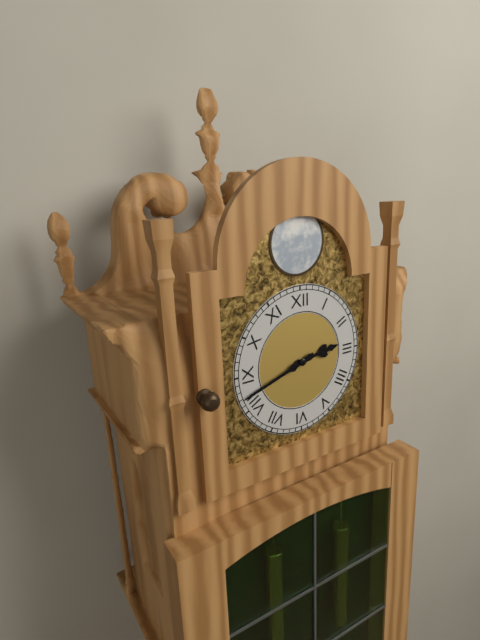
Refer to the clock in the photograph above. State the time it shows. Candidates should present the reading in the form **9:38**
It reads **2:42**
